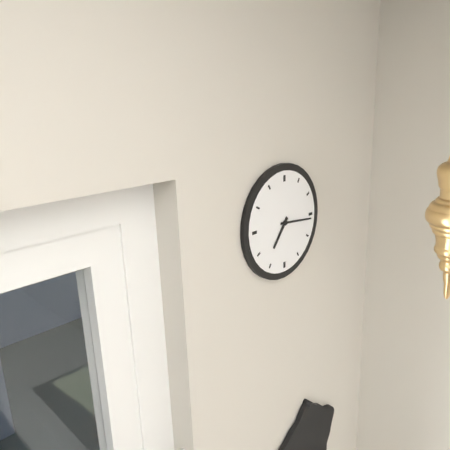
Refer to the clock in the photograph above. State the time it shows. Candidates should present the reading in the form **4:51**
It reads **7:16**
